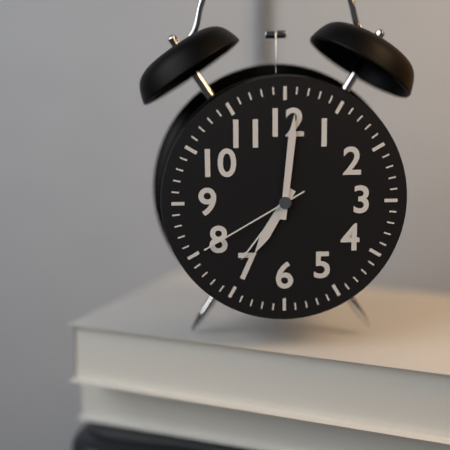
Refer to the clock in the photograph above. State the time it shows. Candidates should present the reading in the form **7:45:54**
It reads **7:01:40**
